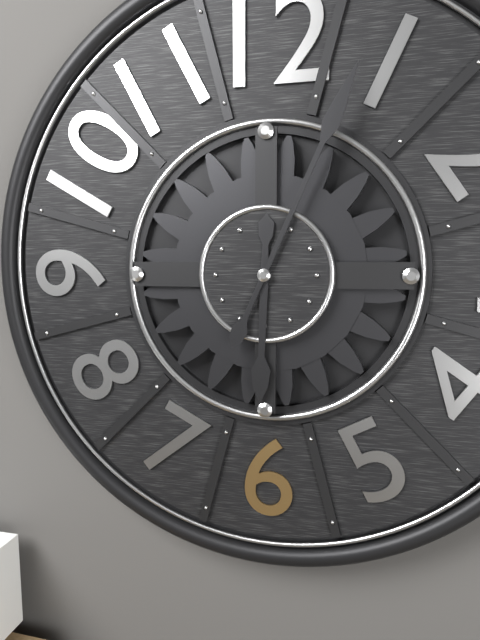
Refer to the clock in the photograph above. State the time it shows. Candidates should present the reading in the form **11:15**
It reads **6:04**
